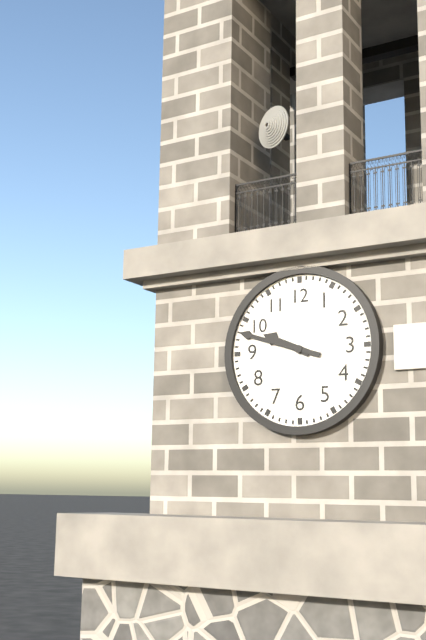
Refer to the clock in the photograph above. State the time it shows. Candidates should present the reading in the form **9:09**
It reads **9:48**
